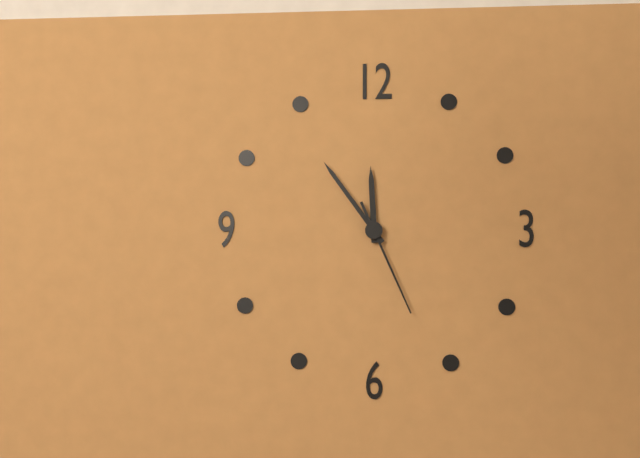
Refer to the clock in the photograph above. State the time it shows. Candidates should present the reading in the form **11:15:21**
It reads **11:54:26**
